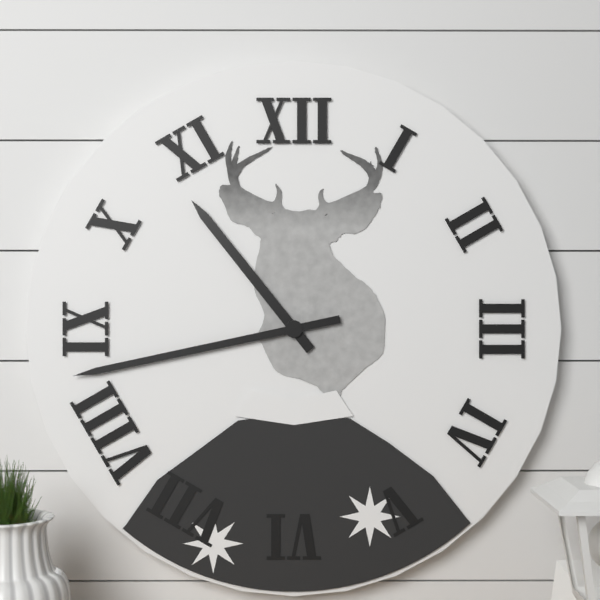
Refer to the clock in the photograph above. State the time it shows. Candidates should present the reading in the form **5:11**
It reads **10:43**
